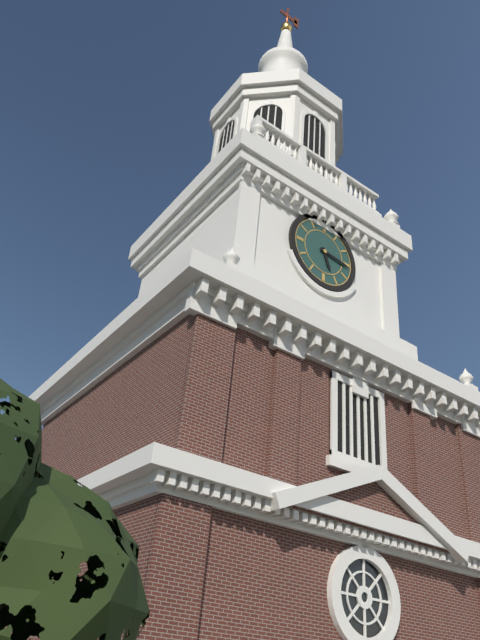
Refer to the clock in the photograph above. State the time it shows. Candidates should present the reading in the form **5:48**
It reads **5:16**
